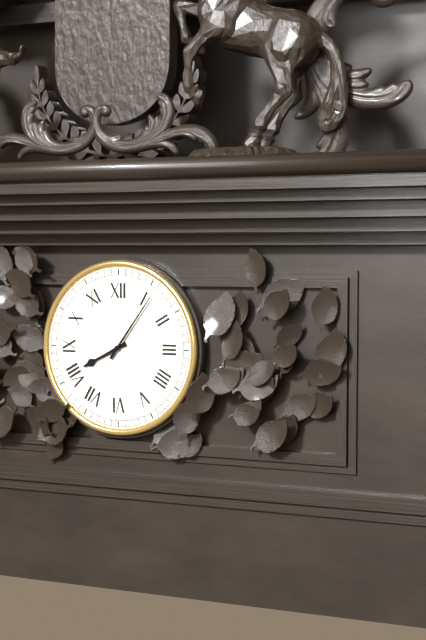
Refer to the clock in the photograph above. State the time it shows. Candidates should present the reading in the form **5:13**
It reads **8:06**
